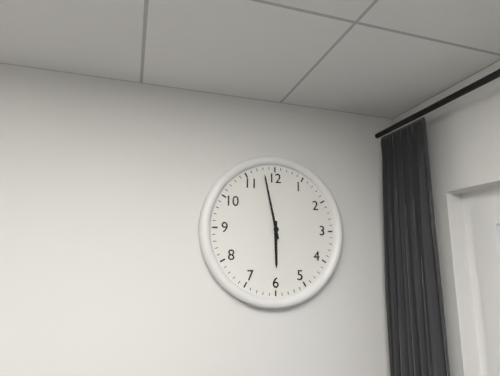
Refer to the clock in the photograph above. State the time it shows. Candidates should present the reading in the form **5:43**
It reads **5:58**
